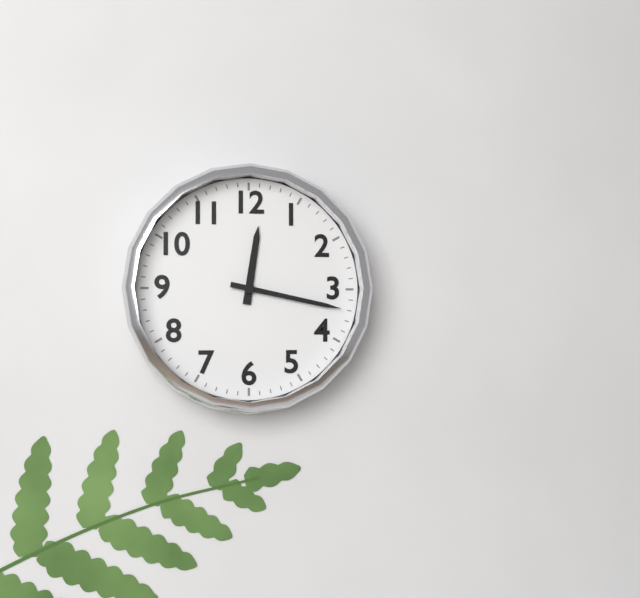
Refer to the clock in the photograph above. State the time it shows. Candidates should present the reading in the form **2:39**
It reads **12:17**
